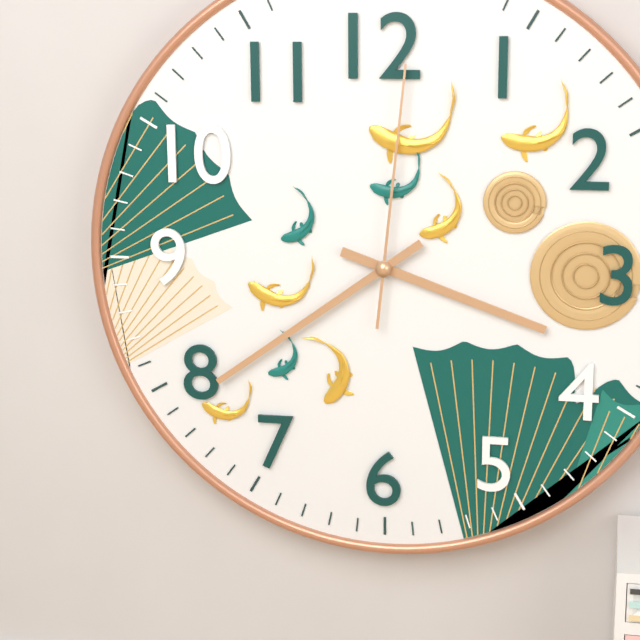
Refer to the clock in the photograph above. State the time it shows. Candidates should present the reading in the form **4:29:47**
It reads **3:39:01**
